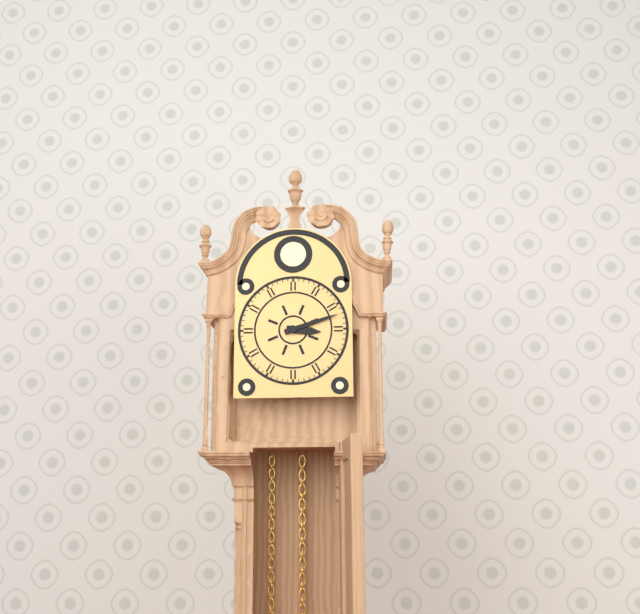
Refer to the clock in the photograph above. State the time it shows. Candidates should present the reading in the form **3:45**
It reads **3:12**
